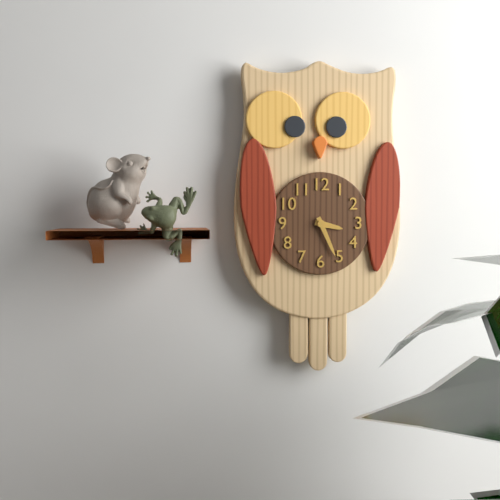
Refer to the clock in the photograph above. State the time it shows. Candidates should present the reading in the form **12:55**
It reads **3:26**
